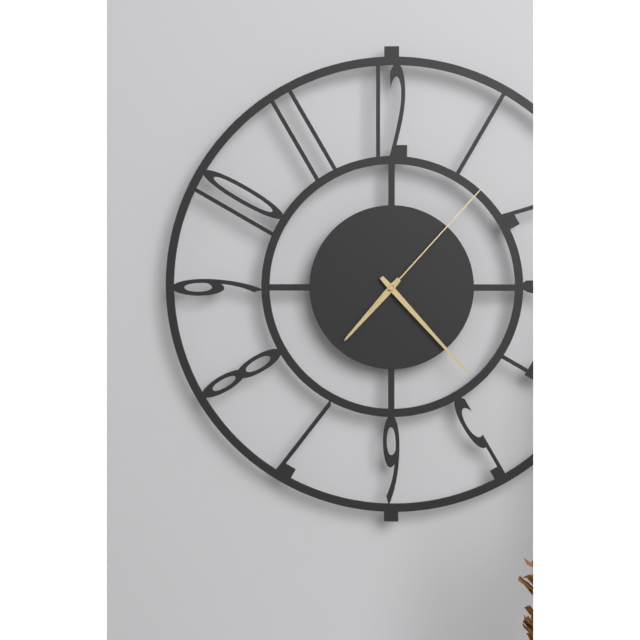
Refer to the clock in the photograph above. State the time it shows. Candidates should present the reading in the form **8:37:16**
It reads **7:23:07**
